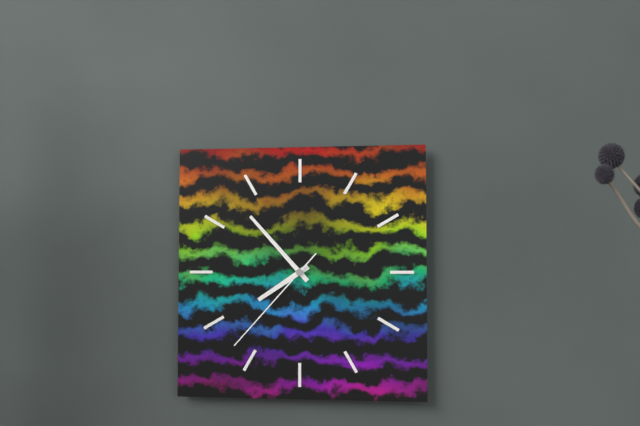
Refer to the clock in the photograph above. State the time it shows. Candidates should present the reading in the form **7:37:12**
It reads **7:53:37**
